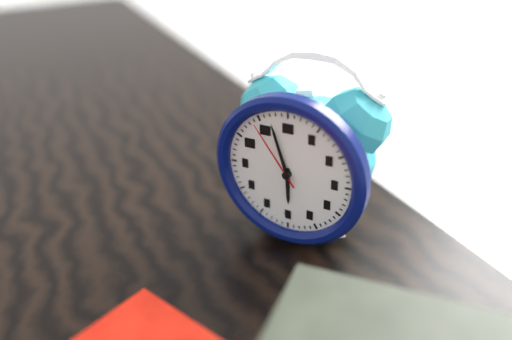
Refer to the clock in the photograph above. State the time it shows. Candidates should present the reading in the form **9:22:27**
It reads **5:57:54**
